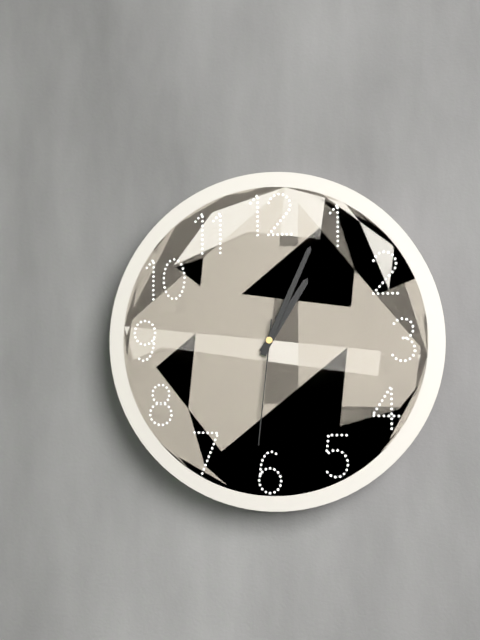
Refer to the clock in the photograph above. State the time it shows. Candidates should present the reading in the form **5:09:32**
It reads **1:04:31**
